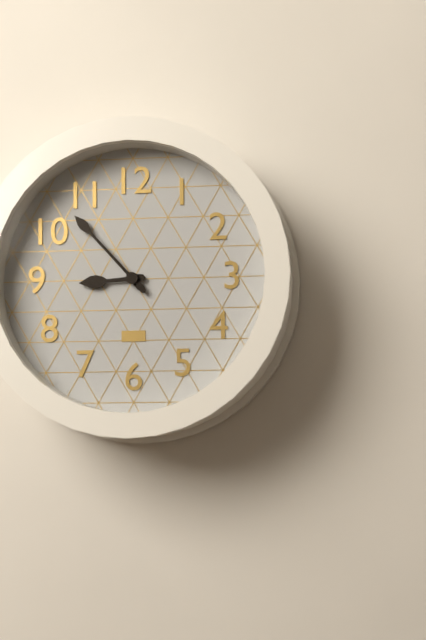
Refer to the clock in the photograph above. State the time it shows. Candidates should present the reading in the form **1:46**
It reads **8:53**
